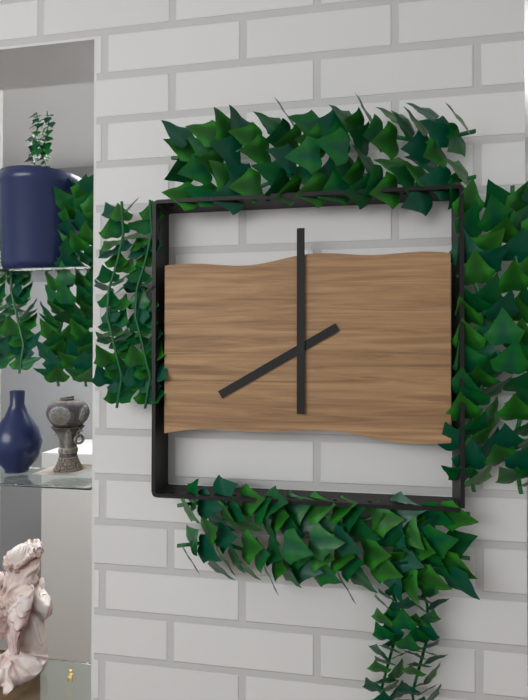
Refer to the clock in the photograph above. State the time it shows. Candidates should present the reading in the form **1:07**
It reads **8:00**
